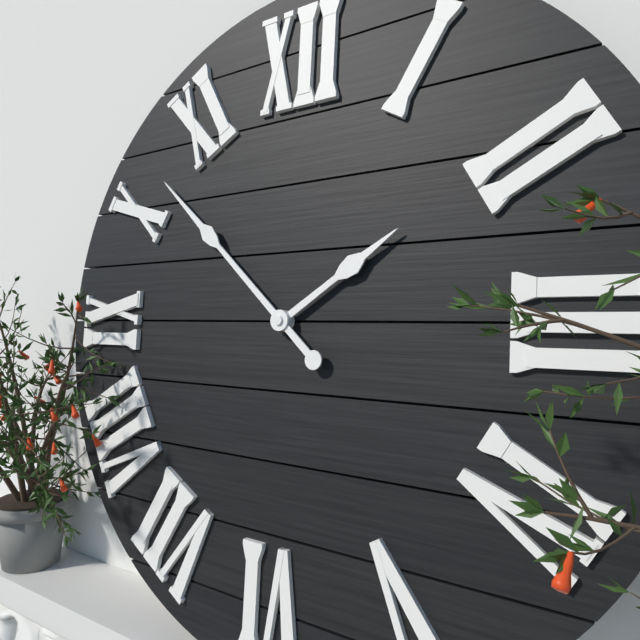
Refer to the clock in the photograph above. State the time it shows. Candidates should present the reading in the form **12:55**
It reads **1:52**
